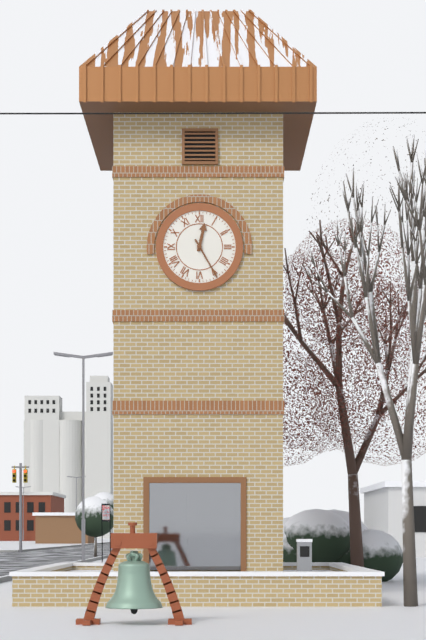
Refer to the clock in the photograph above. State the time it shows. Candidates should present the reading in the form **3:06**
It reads **12:25**
